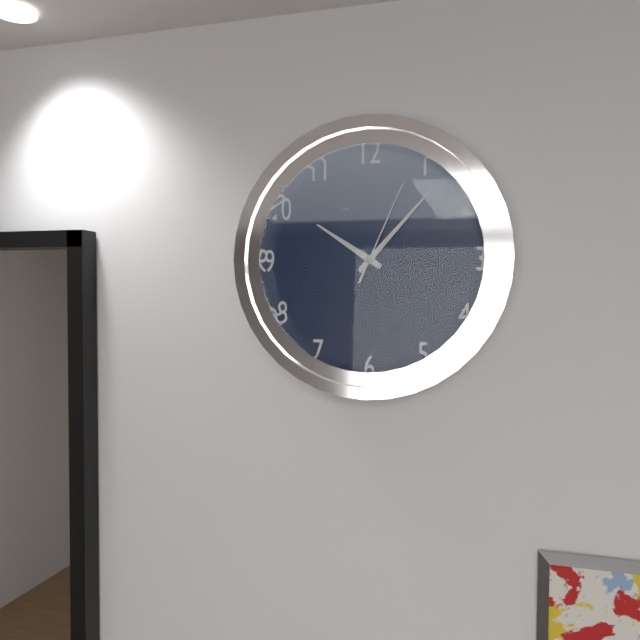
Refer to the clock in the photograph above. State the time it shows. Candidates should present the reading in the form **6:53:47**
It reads **10:07:04**
